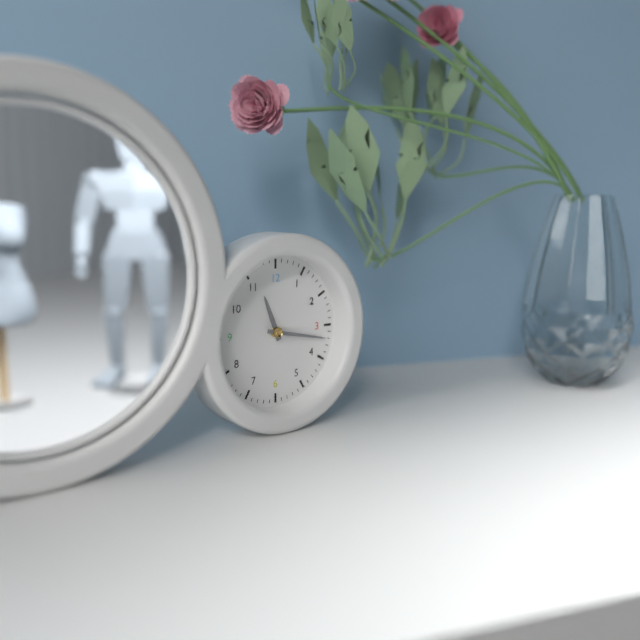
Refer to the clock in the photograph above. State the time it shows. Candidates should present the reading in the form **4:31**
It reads **11:17**
